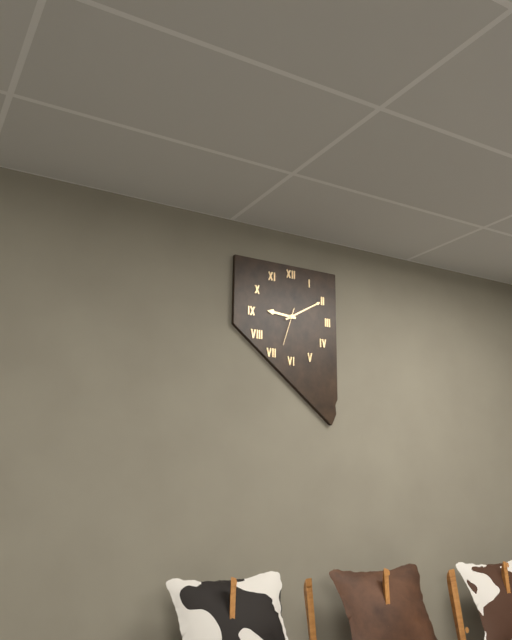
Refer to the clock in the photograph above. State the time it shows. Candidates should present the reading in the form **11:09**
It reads **9:10**
